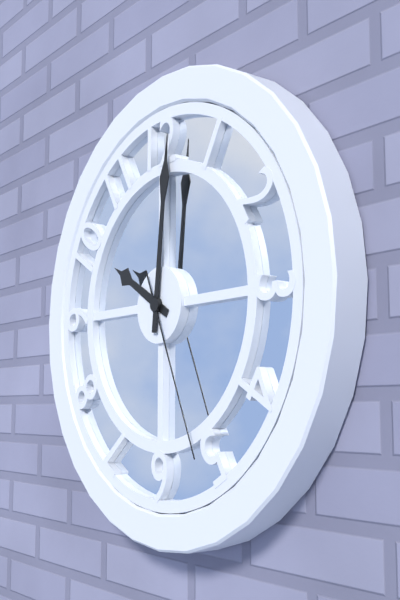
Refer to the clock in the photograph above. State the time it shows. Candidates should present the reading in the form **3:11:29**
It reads **10:01:26**
